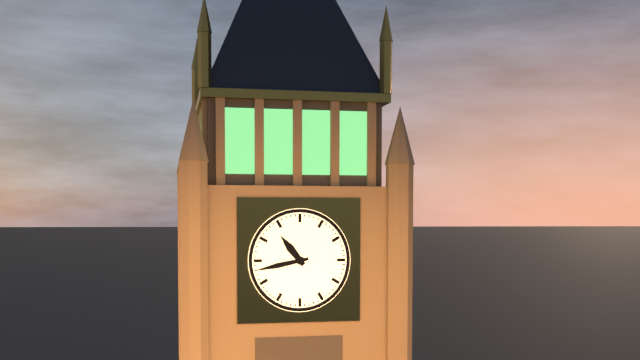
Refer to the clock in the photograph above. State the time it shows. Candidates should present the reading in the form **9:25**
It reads **10:43**
